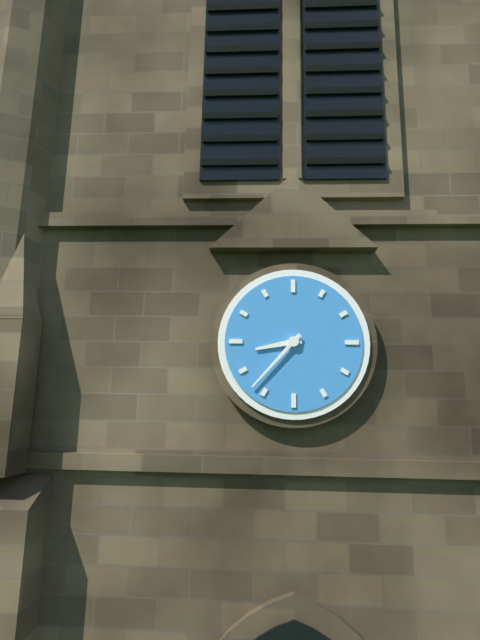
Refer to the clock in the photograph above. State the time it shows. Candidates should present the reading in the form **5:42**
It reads **8:37**
